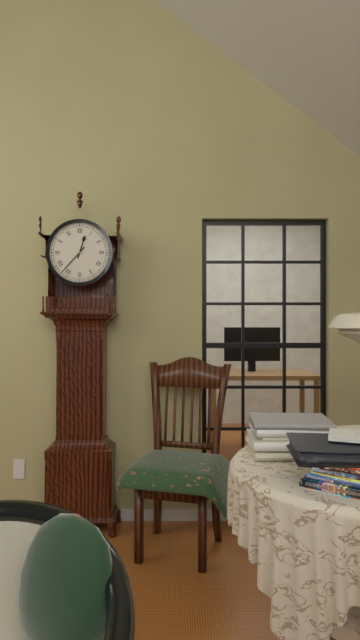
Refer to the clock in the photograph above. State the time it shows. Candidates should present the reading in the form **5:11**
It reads **12:37**
